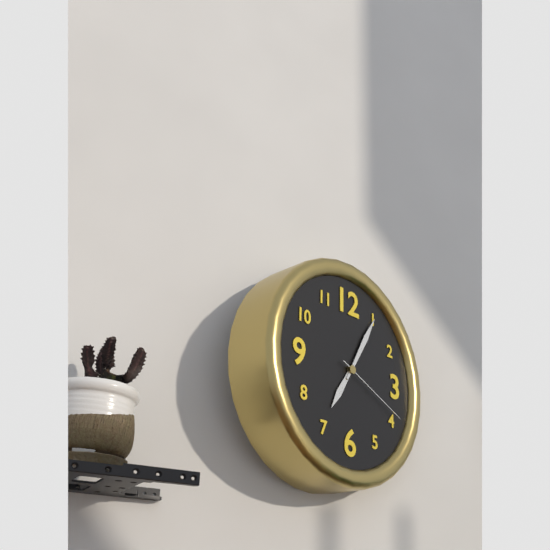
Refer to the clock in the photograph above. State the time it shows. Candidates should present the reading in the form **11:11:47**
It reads **7:05:19**
